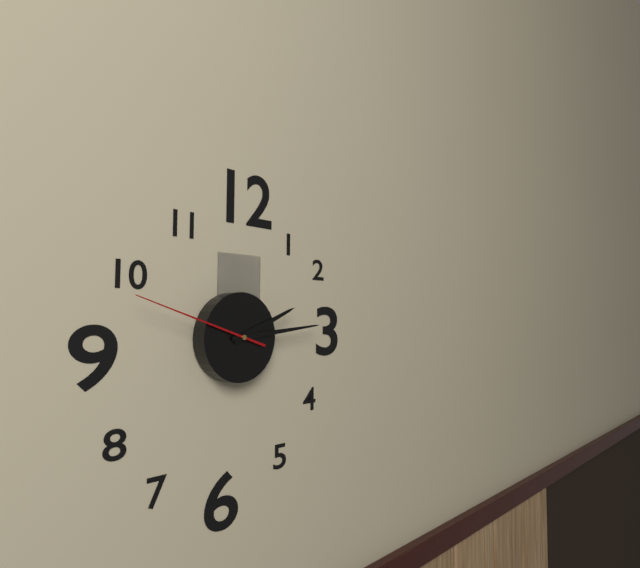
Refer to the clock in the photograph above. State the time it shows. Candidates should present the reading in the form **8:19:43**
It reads **2:14:48**
